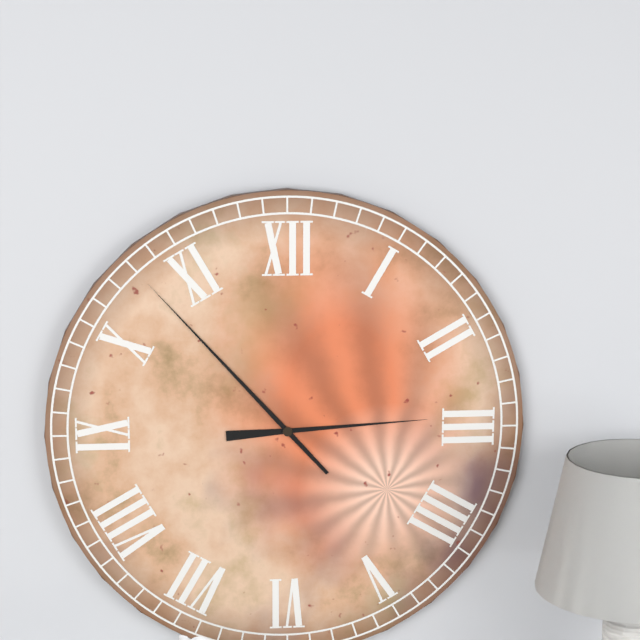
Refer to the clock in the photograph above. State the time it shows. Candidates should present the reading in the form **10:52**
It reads **2:53**
